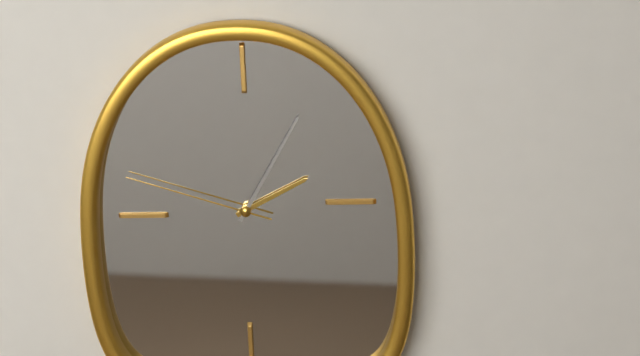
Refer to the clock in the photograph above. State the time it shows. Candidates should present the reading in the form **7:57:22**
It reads **2:05:48**
